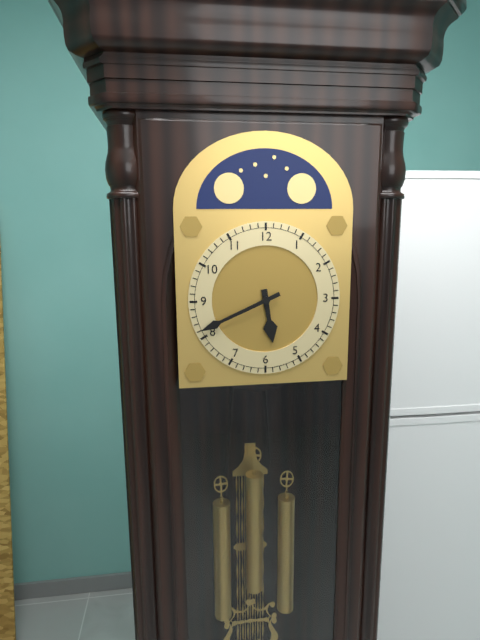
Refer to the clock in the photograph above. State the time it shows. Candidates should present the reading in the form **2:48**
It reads **5:41**
